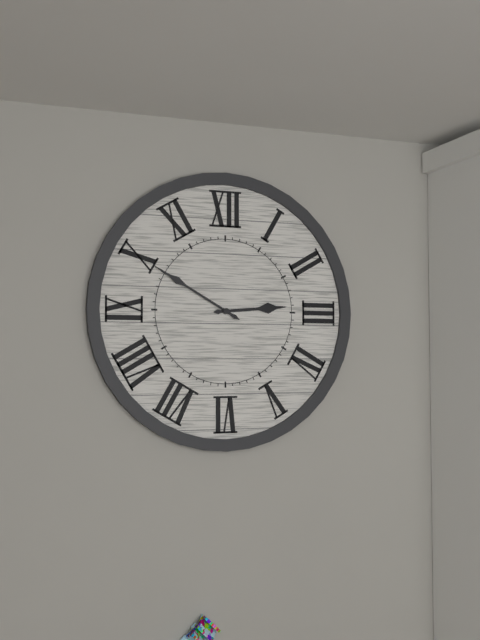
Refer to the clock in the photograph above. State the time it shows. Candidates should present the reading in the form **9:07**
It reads **2:50**
